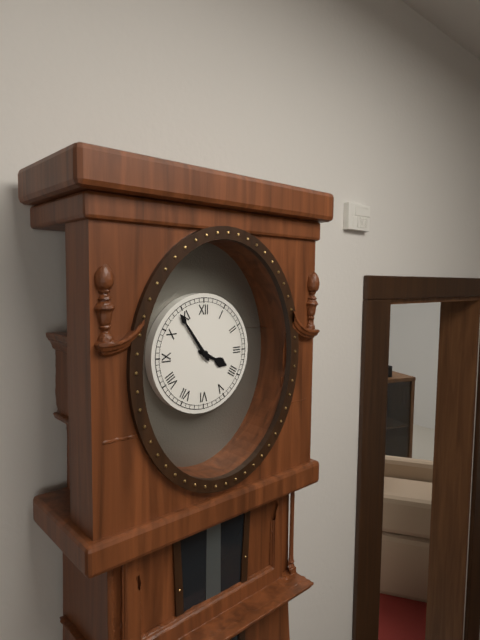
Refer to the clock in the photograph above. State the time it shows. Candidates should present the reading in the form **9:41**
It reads **3:54**
